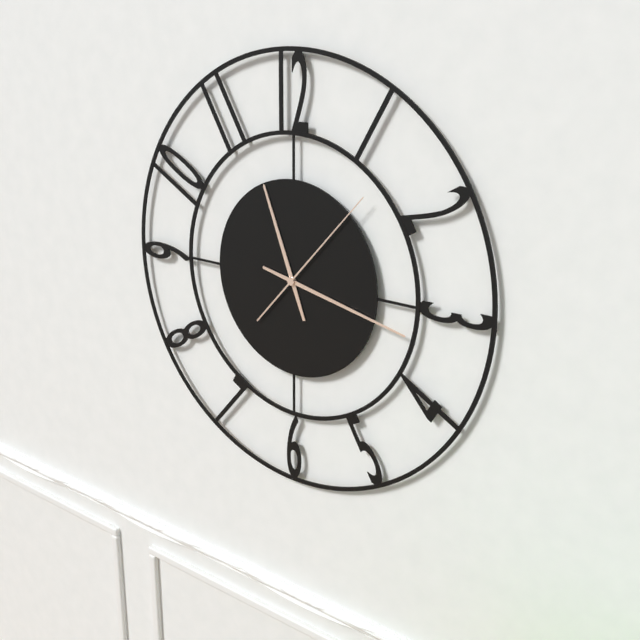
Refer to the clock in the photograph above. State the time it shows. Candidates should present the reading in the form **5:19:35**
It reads **11:17:07**
